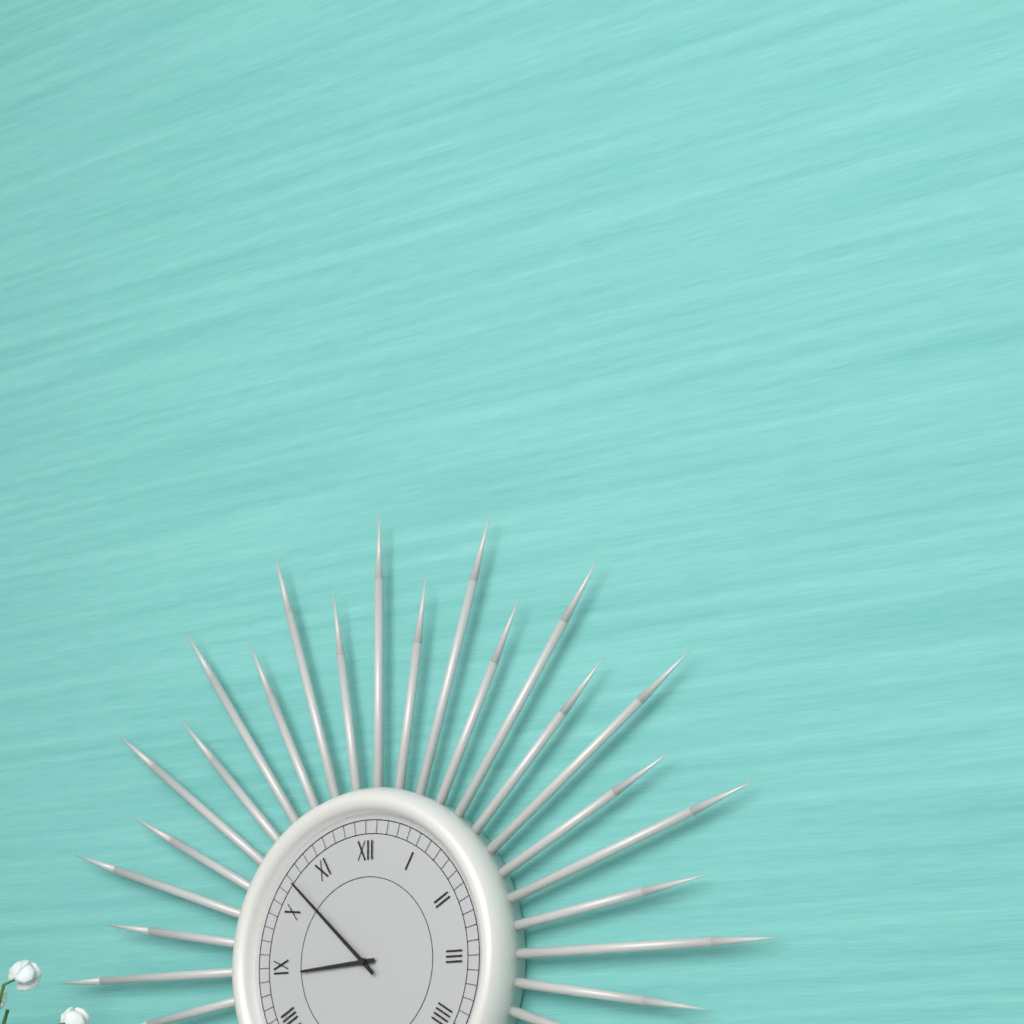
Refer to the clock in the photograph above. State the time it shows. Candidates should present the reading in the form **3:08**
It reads **8:52**
